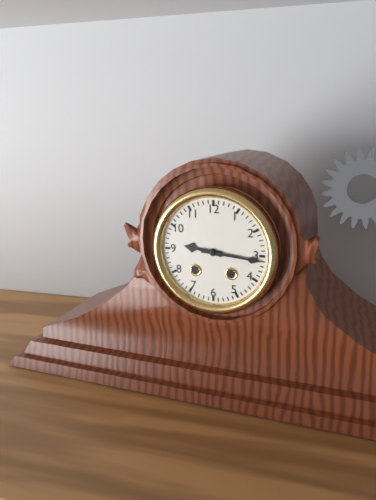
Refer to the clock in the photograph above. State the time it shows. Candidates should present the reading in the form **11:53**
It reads **9:16**
